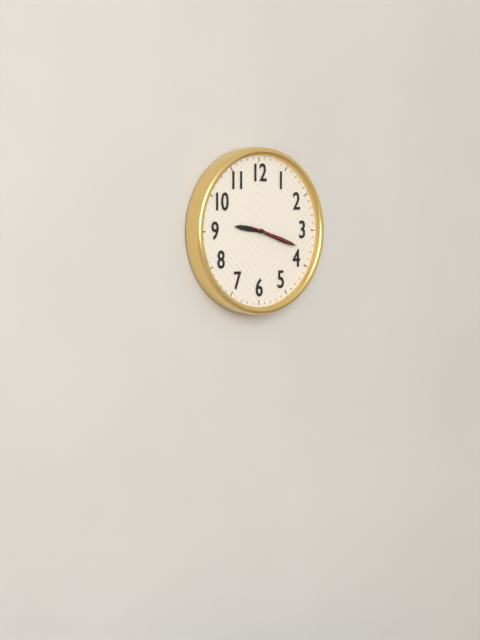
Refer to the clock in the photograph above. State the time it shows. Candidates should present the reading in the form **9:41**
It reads **9:18**
